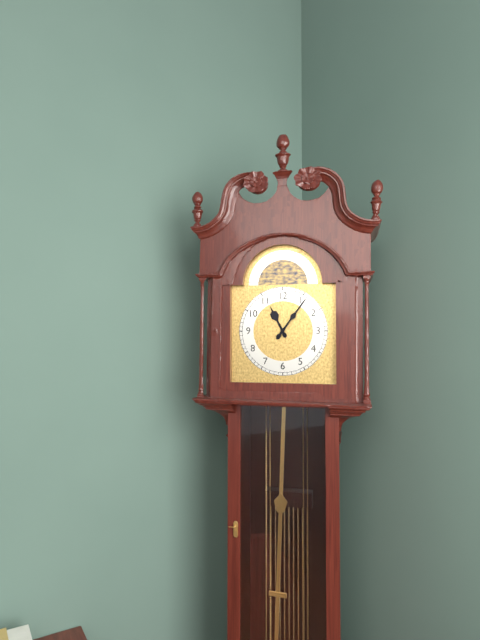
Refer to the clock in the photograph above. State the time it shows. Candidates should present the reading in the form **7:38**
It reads **11:06**
